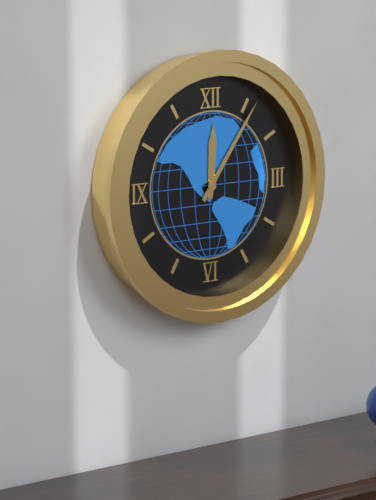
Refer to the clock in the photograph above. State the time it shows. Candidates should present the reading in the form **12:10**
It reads **12:06**
